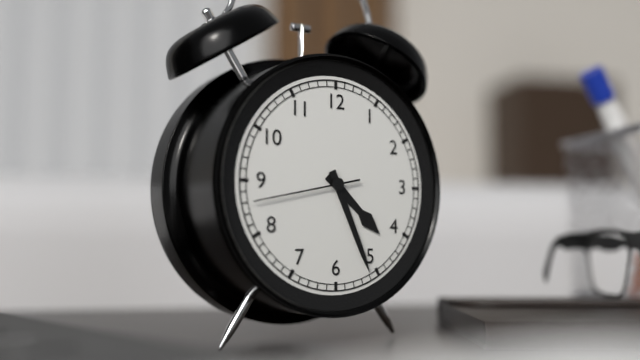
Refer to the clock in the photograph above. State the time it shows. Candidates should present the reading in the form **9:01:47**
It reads **4:26:43**
